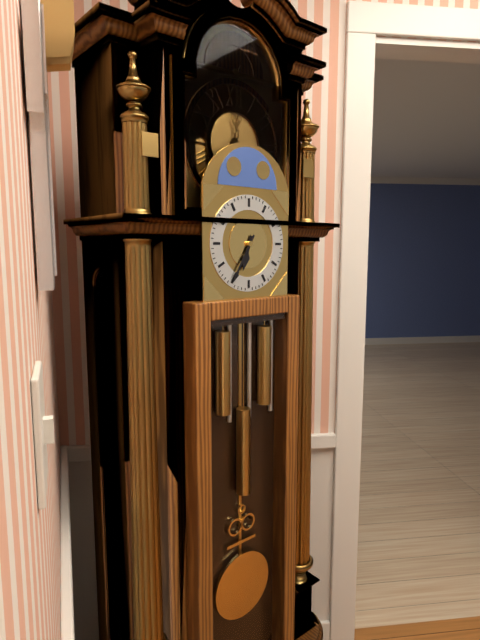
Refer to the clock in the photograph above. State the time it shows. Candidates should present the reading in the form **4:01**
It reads **6:35**
